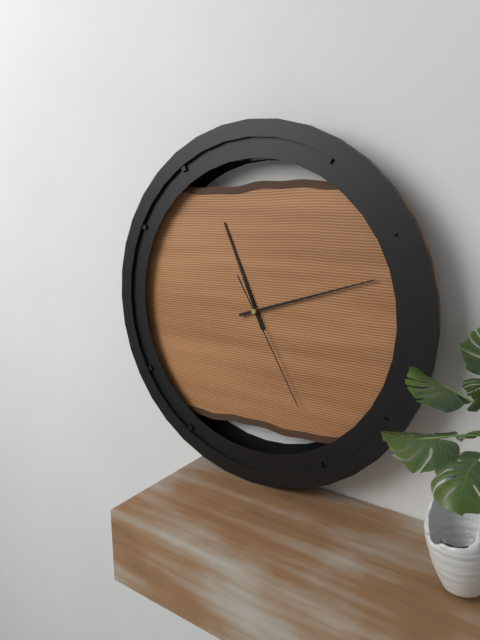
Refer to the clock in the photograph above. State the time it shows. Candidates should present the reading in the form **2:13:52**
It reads **11:12:25**
